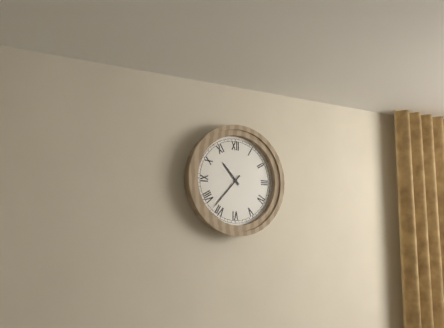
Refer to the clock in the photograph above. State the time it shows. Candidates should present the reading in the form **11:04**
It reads **10:37**
